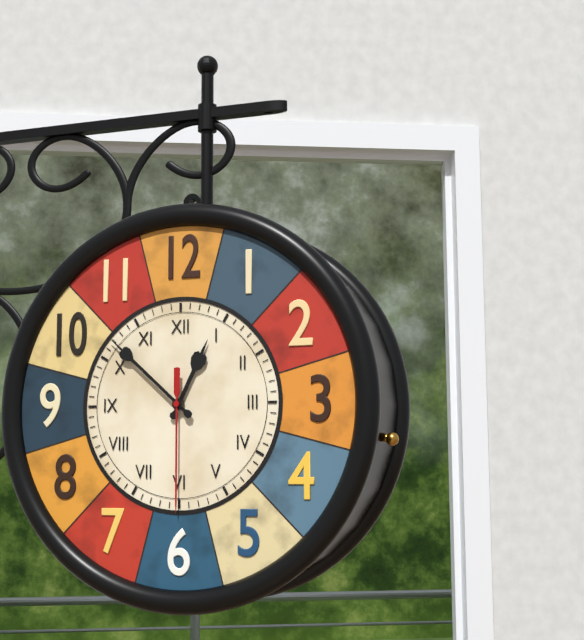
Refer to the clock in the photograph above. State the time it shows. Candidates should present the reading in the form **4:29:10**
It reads **12:52:30**
